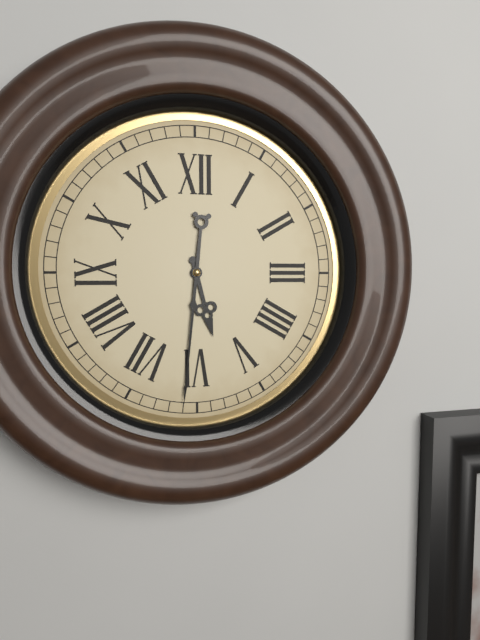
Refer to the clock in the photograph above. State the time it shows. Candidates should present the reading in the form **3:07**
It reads **5:31**
